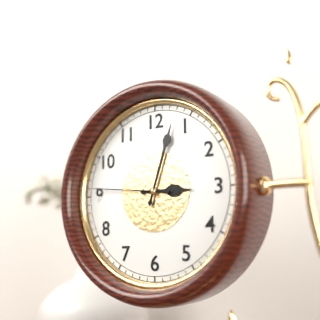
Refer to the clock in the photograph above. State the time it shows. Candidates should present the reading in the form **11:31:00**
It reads **3:03:46**
